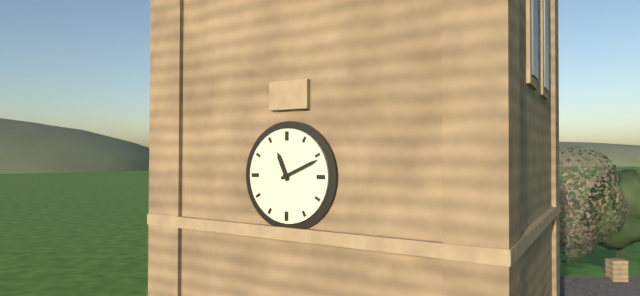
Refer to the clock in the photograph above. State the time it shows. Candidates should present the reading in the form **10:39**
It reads **11:11**
